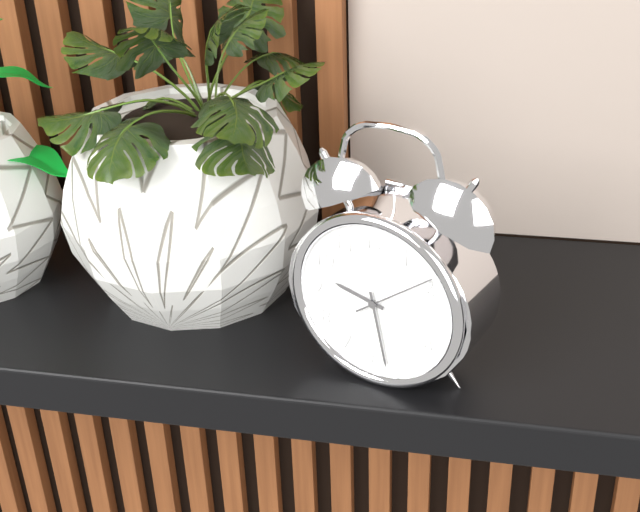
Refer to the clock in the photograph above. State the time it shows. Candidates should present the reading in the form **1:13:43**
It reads **9:28:09**
